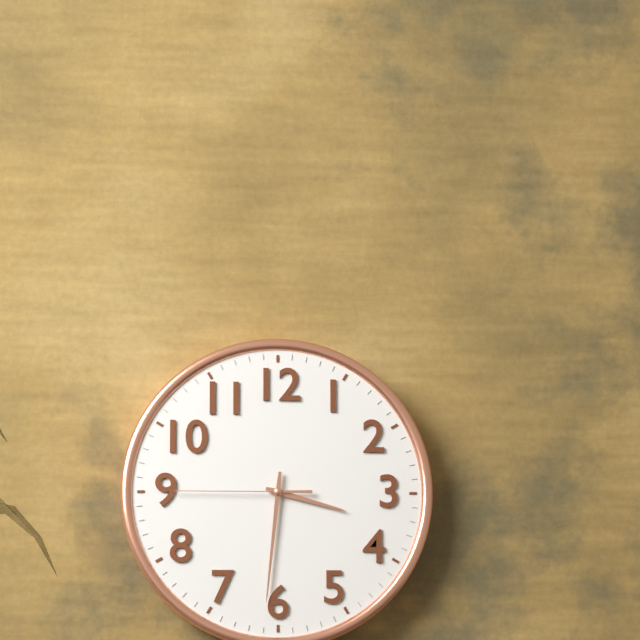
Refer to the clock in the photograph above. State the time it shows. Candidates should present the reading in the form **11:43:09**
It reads **3:31:45**
